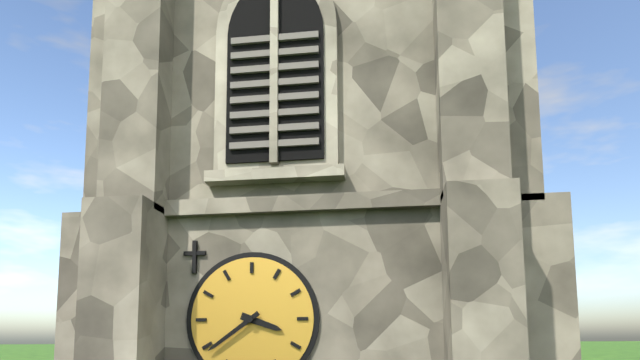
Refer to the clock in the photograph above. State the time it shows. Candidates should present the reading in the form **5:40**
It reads **3:39**
